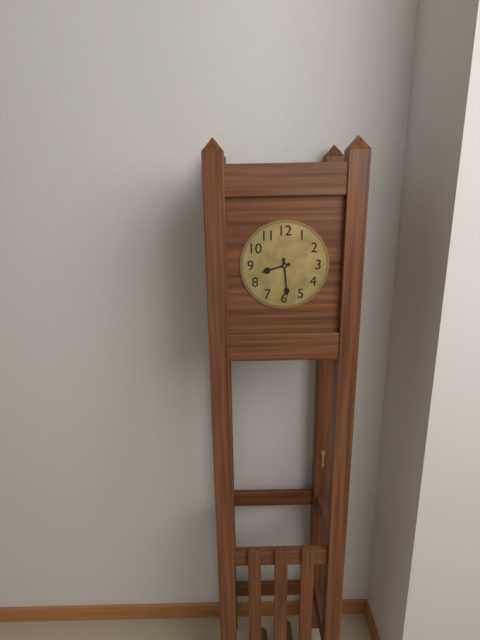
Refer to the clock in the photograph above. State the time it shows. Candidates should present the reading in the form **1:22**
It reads **8:29**
